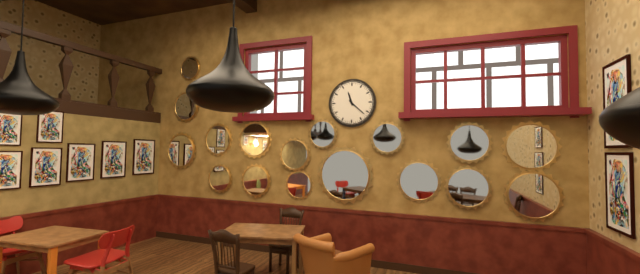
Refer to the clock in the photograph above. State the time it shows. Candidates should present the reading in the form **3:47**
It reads **11:22**
